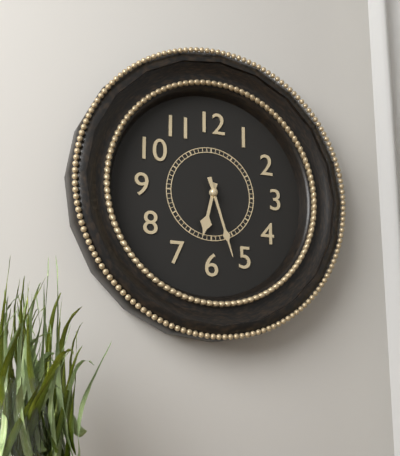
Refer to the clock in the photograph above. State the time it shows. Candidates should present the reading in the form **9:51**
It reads **6:27**
